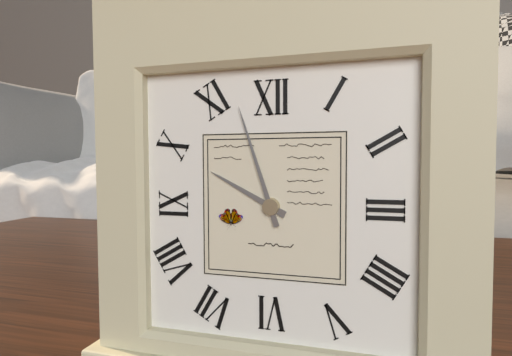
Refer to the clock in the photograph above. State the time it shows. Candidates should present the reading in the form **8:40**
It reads **9:57**
